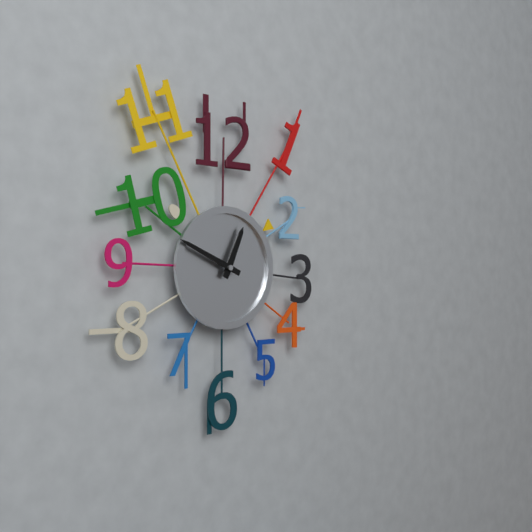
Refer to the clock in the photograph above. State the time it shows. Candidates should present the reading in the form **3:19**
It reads **12:49**
